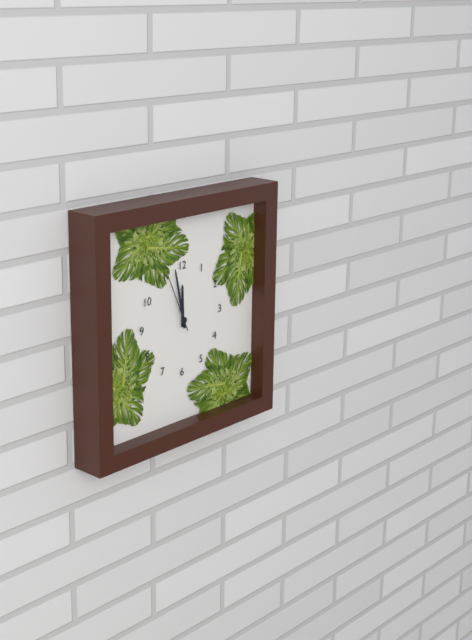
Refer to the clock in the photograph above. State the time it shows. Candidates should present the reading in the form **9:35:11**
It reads **11:58:56**
